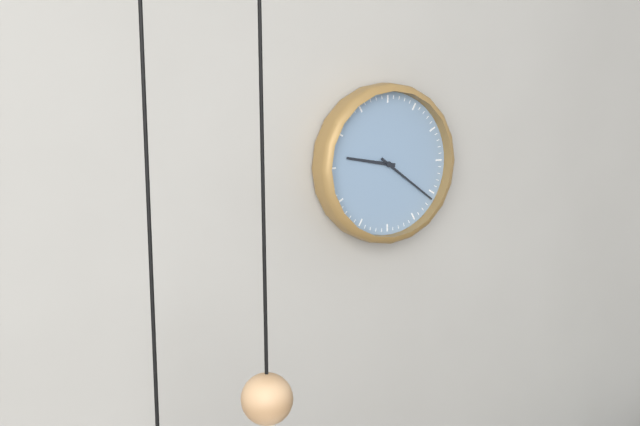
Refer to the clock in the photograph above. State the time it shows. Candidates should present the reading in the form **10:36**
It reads **9:21**
